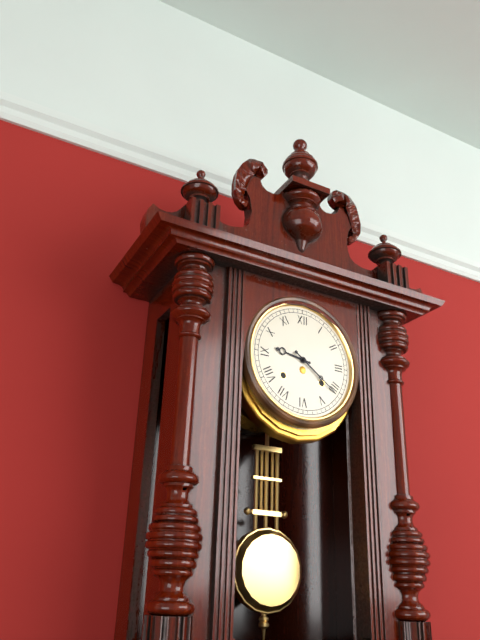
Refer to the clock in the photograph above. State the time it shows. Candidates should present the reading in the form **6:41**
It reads **9:21**
